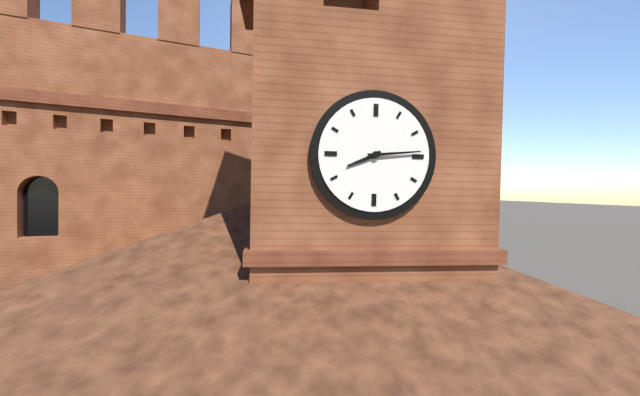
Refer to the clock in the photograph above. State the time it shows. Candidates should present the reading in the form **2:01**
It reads **8:14**
